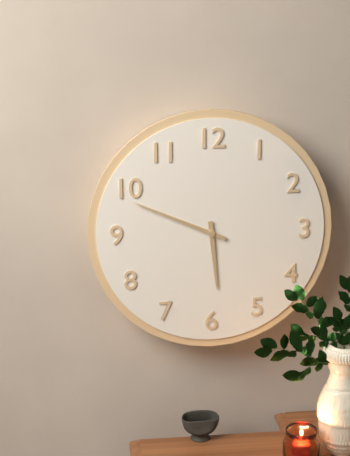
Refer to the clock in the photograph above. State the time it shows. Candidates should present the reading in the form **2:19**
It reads **5:49**
